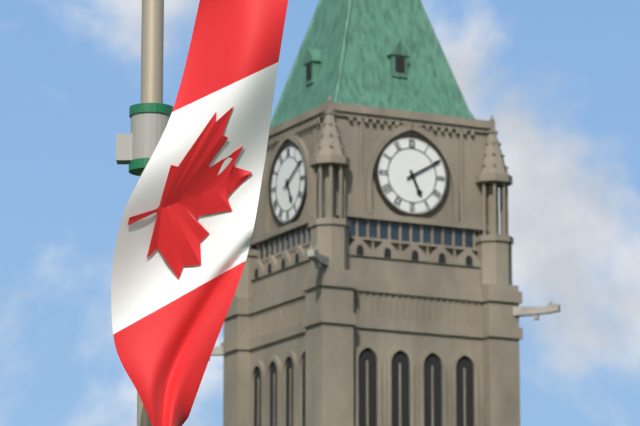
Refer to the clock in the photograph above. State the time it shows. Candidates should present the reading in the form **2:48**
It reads **5:10**
